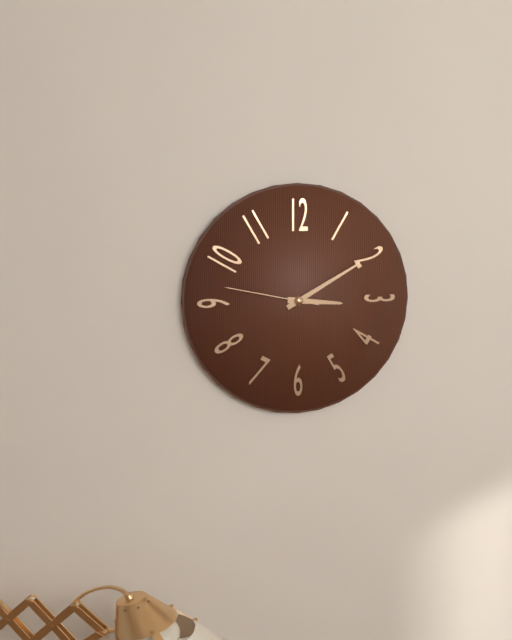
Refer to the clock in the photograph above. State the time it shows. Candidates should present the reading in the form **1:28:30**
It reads **3:10:47**
